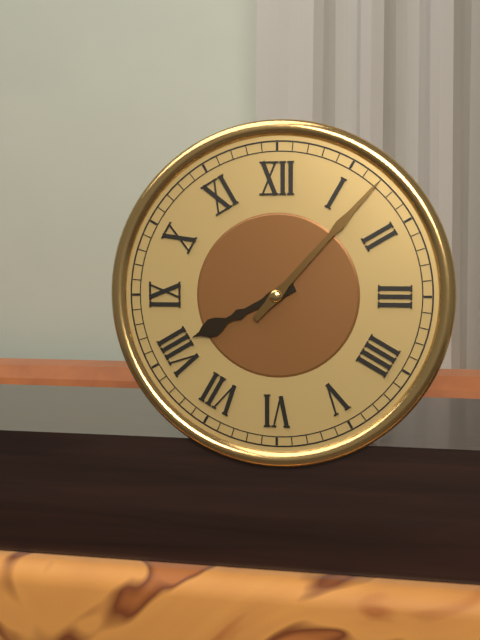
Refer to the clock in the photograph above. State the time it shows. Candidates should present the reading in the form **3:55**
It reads **8:07**
